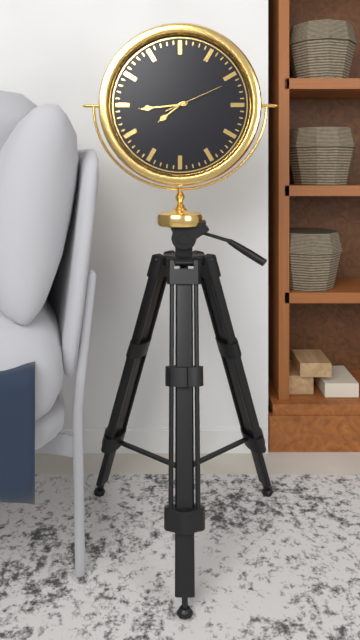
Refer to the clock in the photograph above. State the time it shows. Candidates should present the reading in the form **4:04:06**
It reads **7:44:11**
